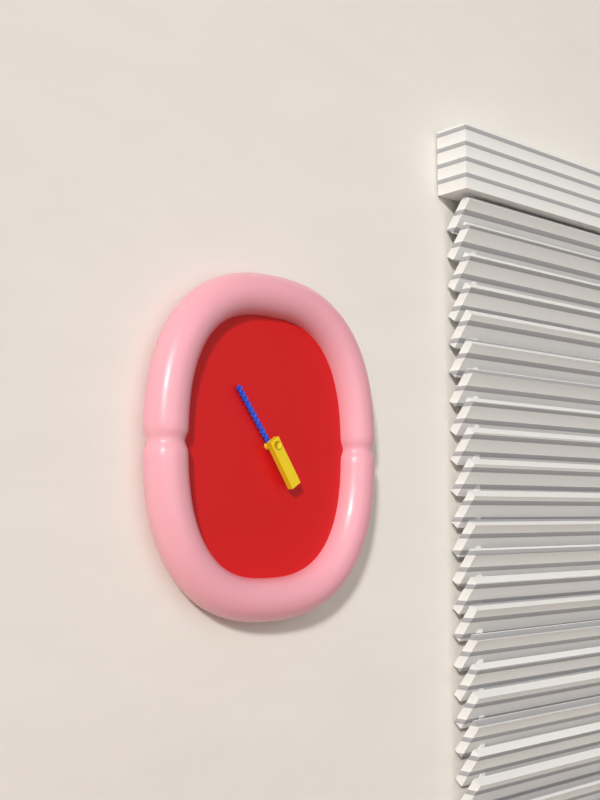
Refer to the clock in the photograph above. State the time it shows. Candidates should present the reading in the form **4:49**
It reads **4:54**
